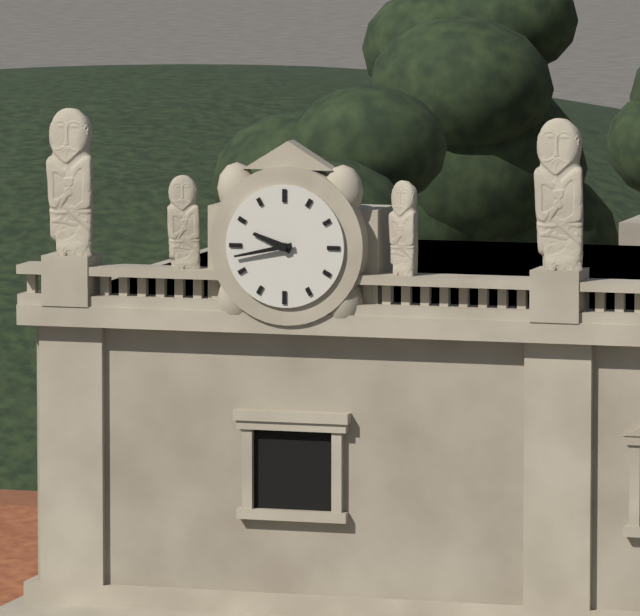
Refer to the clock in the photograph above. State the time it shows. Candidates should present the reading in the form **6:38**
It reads **9:43**
